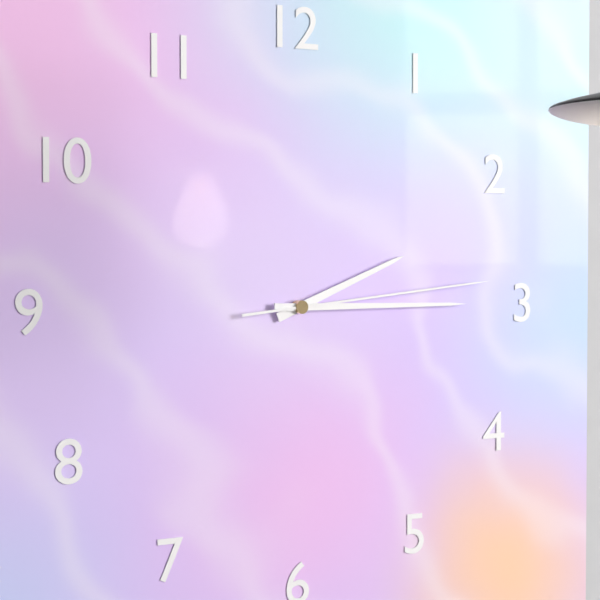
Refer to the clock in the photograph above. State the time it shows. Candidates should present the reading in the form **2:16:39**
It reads **2:15:14**
